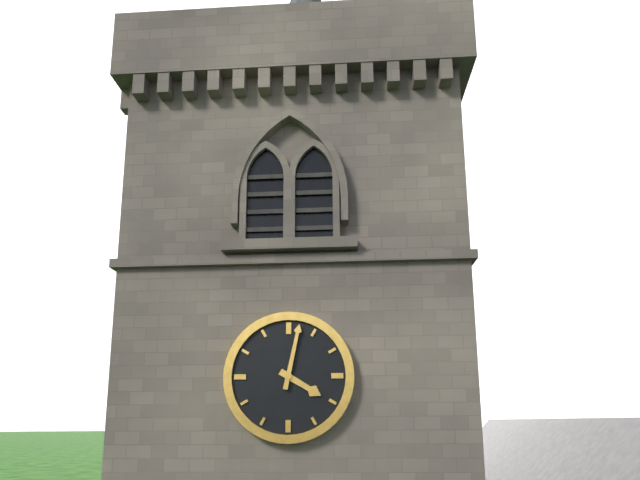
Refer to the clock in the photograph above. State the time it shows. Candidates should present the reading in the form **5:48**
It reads **4:02**
